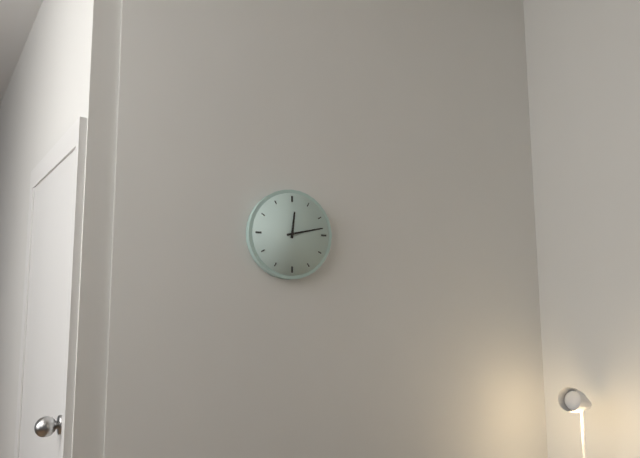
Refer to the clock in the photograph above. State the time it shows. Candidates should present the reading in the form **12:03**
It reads **12:13**
